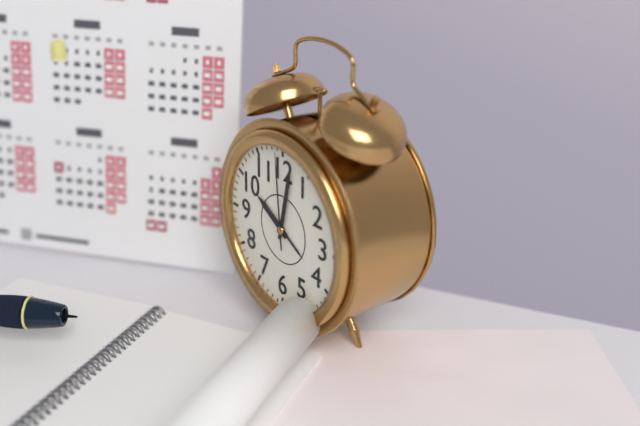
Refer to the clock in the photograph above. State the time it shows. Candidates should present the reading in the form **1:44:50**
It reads **10:02:59**
